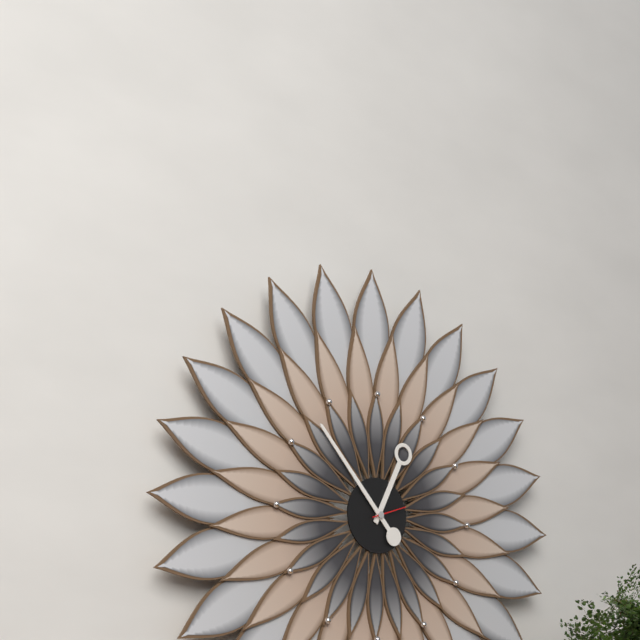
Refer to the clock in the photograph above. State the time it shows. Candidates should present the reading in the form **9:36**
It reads **12:53**
